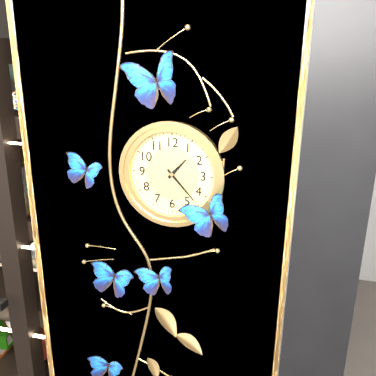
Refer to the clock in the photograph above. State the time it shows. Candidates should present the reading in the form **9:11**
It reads **1:23**
